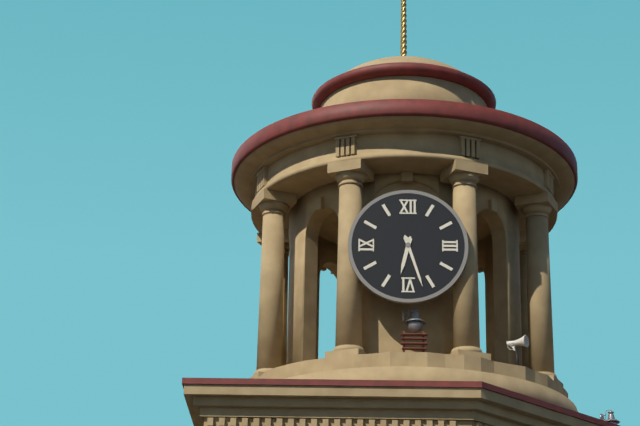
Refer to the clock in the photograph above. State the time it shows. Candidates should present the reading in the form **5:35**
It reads **6:27**
